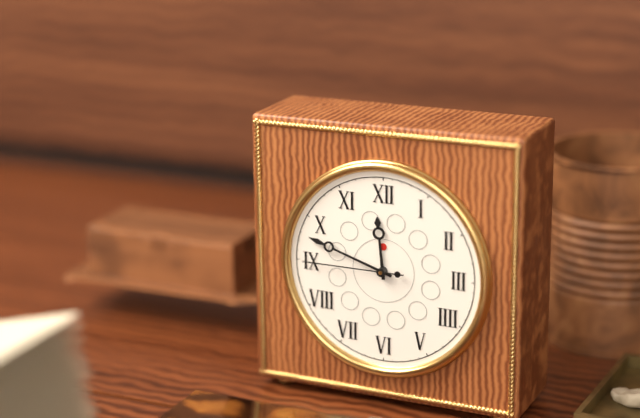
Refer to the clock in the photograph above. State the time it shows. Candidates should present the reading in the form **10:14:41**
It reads **11:48:45**
